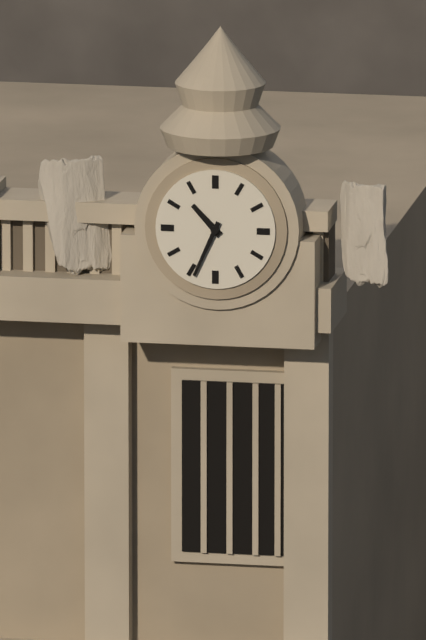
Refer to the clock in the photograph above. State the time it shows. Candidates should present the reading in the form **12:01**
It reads **10:34**
